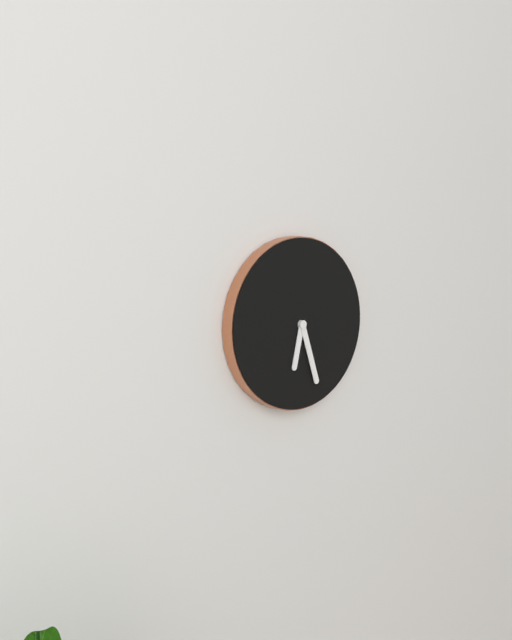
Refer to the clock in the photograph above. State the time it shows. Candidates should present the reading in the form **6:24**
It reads **6:27**
